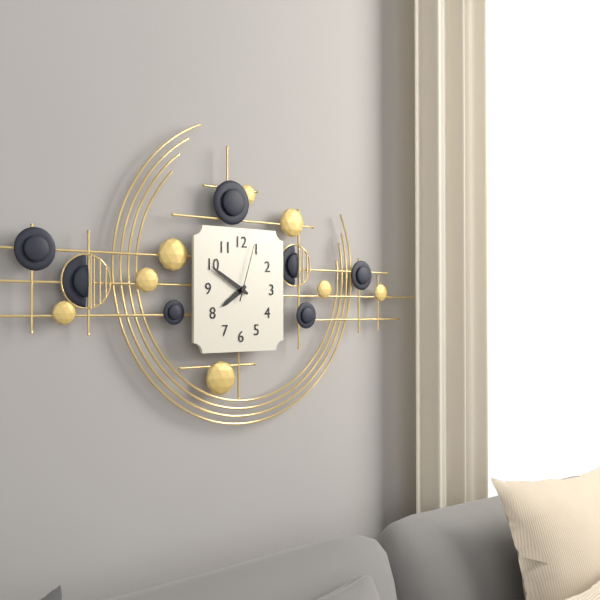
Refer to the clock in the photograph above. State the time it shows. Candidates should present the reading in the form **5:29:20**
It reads **7:50:03**
